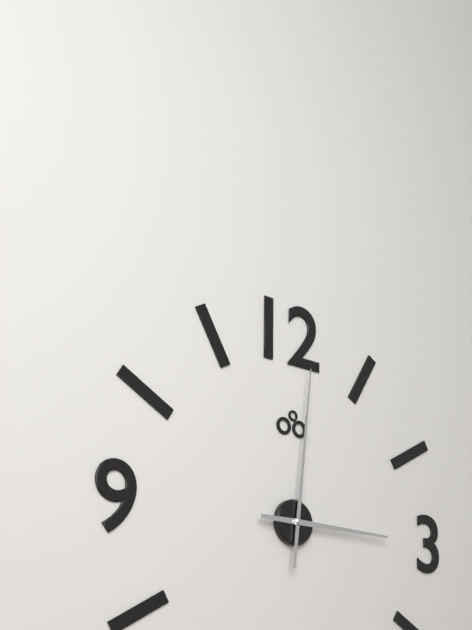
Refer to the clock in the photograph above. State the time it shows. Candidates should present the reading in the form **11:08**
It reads **3:01**
